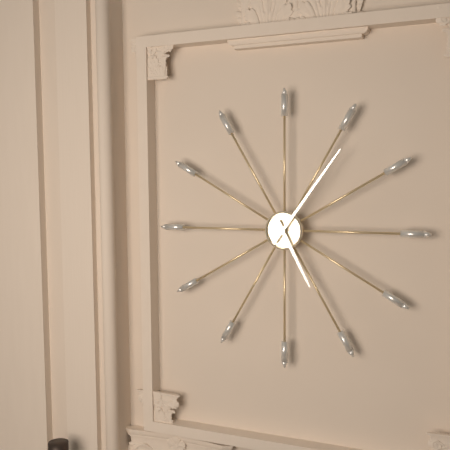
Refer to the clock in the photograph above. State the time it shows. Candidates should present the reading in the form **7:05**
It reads **5:06**
